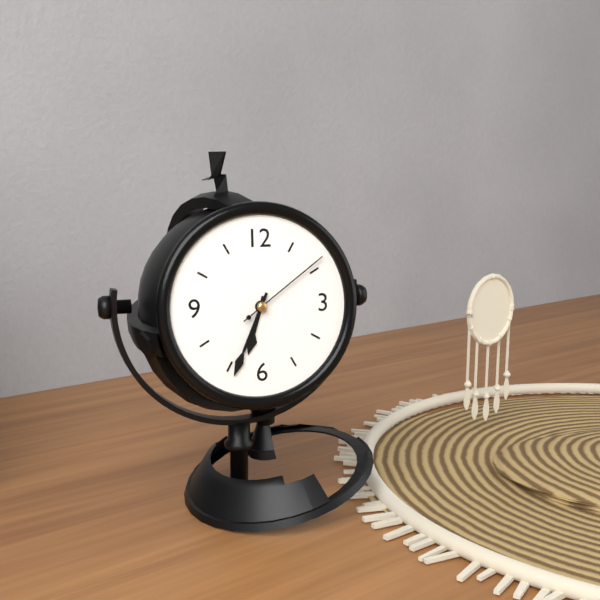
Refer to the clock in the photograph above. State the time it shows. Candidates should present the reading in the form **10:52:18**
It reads **6:34:09**
